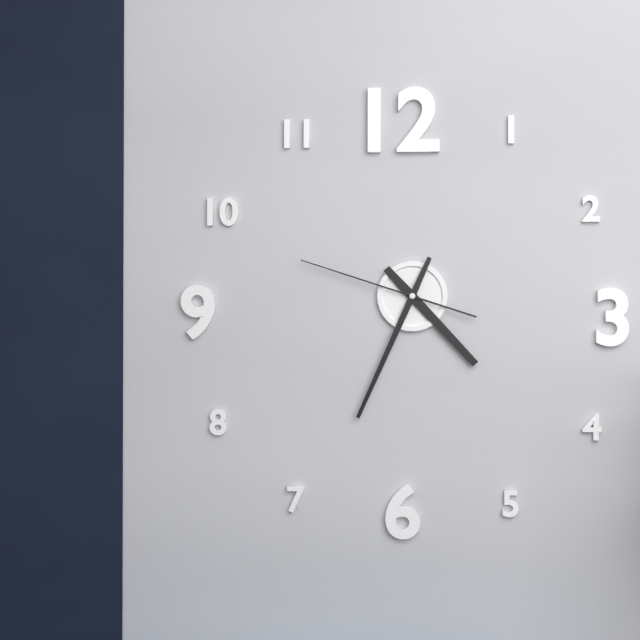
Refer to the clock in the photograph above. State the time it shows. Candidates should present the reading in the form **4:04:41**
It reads **4:34:48**
